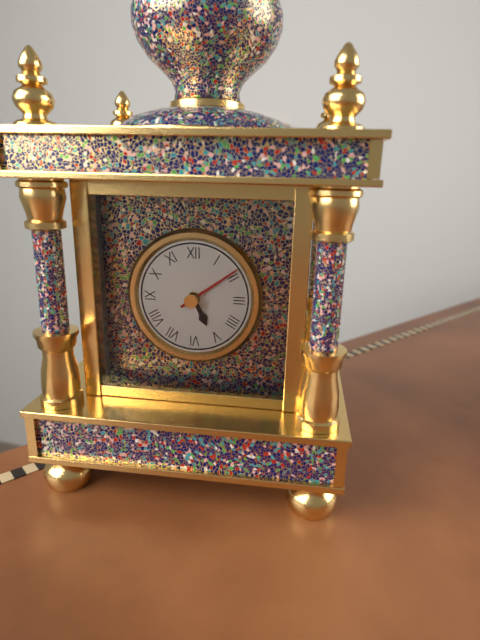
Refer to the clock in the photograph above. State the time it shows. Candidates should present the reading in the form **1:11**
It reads **5:09**
